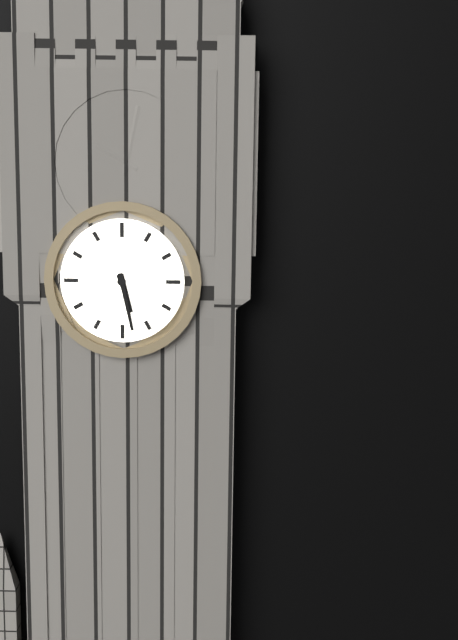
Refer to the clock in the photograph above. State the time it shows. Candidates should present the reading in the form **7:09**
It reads **5:28**
